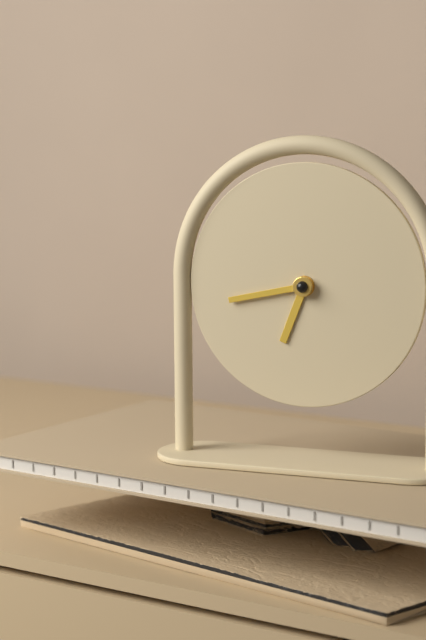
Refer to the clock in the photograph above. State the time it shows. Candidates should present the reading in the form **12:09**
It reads **6:43**
